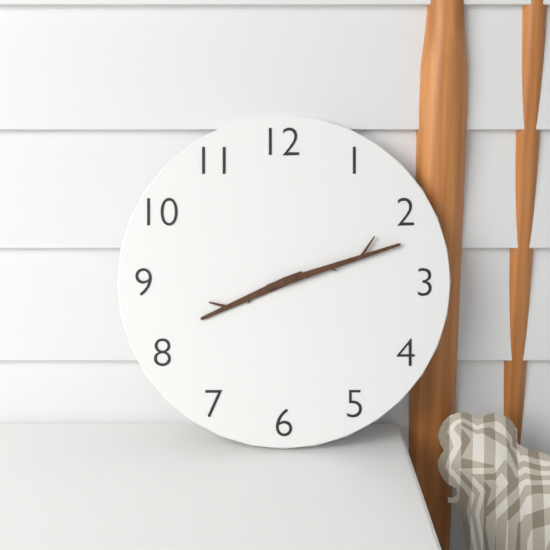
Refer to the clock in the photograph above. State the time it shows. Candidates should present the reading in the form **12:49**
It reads **8:12**
